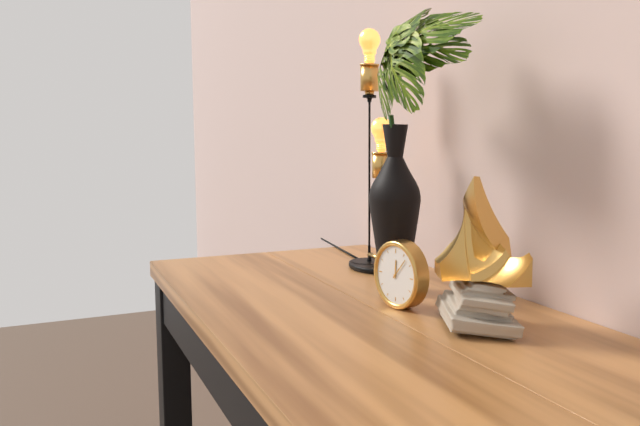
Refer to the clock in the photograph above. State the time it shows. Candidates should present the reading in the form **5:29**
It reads **12:07**
